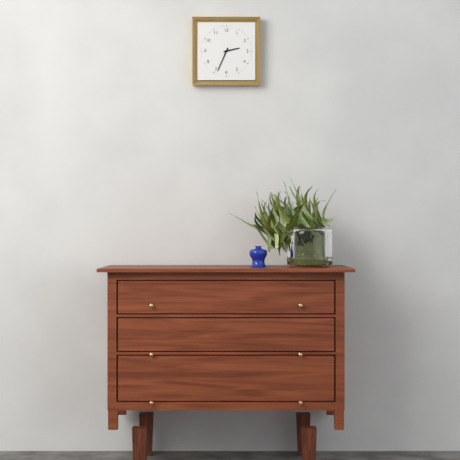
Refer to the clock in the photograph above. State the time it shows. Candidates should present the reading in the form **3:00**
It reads **2:34**
